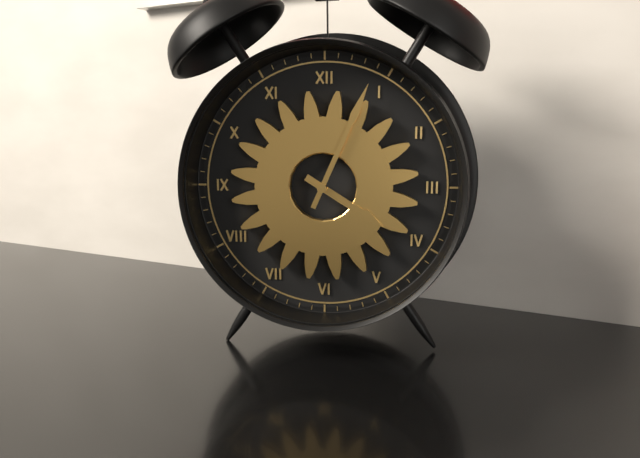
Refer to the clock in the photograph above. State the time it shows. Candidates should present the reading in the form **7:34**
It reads **4:04**
